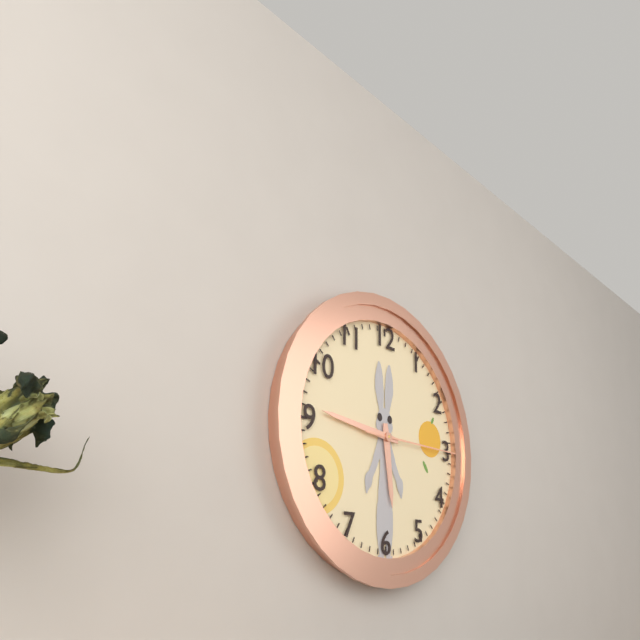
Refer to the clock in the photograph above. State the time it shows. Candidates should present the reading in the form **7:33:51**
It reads **5:46:15**
